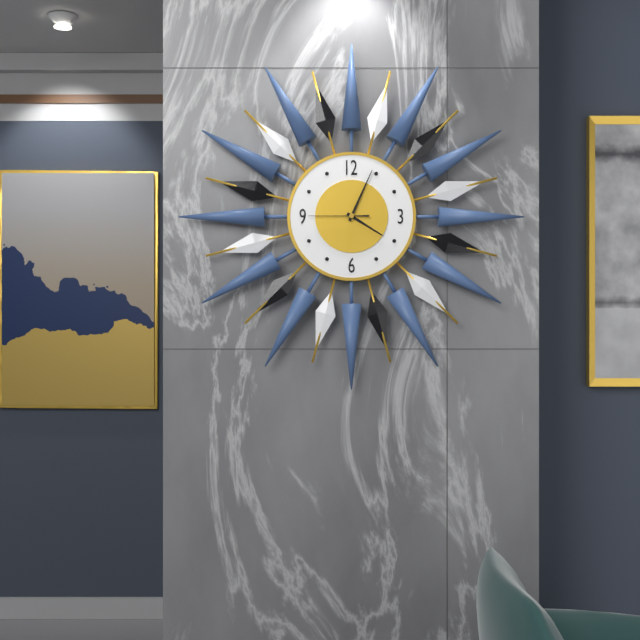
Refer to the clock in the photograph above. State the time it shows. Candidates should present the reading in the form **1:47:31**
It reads **4:04:45**
